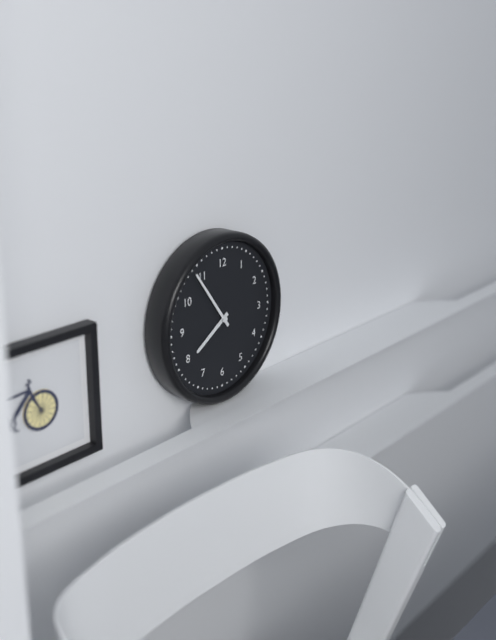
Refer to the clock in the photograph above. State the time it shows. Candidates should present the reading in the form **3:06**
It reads **7:54**
